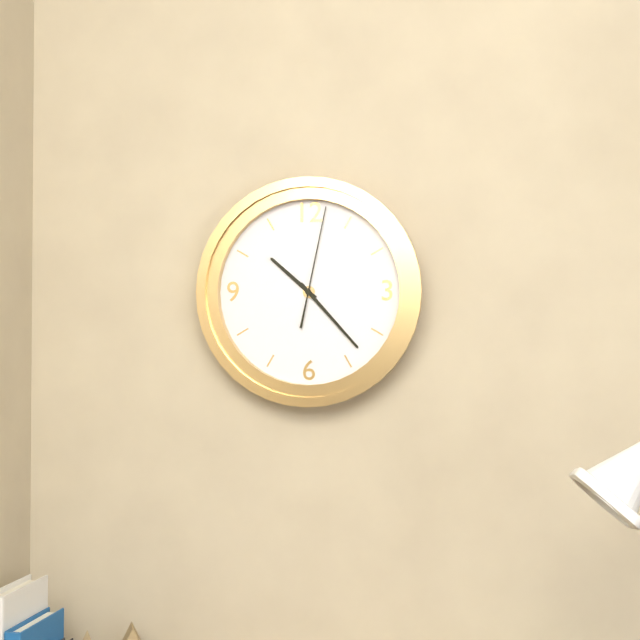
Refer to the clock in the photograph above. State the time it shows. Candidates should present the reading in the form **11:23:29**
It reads **10:23:02**
